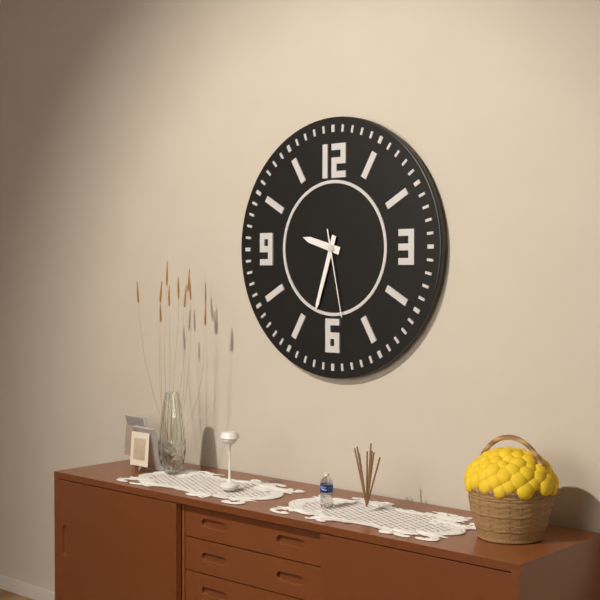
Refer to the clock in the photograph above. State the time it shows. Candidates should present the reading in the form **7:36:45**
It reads **9:33:28**
